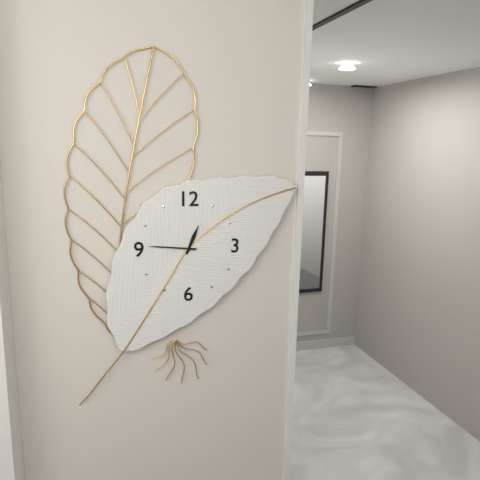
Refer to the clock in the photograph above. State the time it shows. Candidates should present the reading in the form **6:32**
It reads **12:46**
